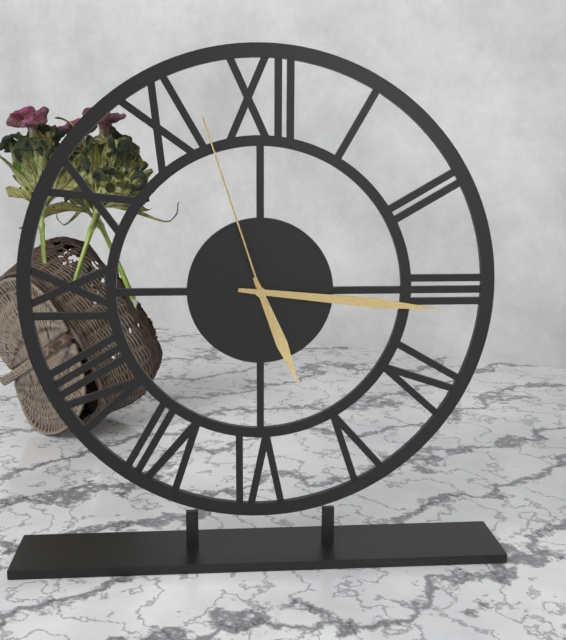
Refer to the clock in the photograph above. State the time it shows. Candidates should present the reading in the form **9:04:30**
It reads **5:16:57**
